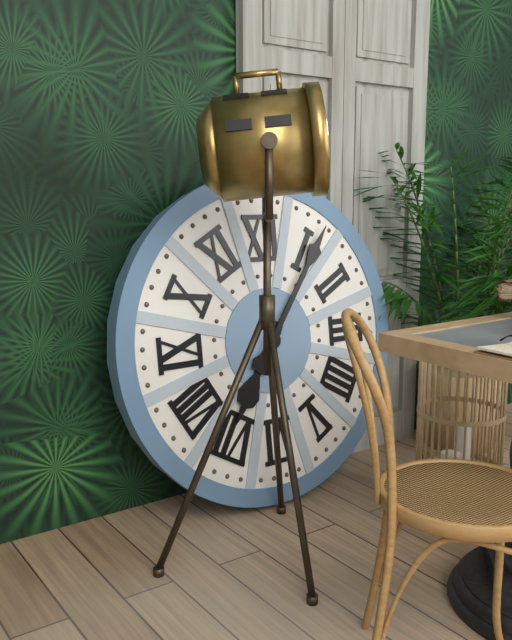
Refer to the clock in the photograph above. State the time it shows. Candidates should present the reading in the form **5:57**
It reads **7:06**
